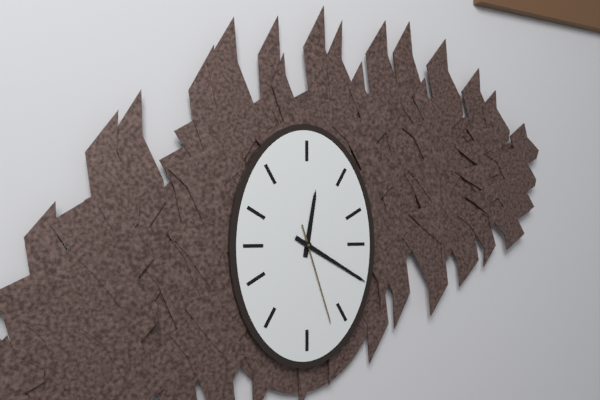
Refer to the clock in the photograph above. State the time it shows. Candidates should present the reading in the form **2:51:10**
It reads **12:20:27**
